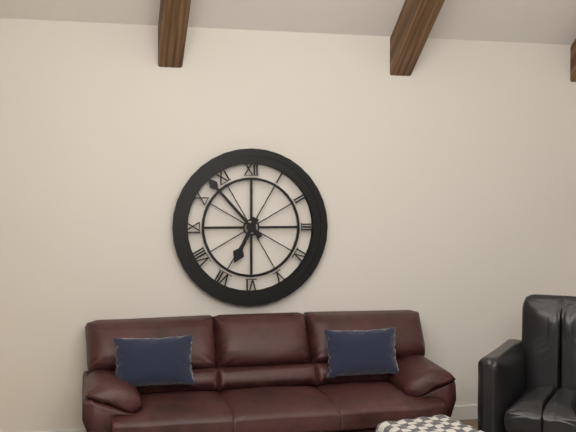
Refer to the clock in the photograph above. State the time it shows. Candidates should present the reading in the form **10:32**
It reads **6:53**
